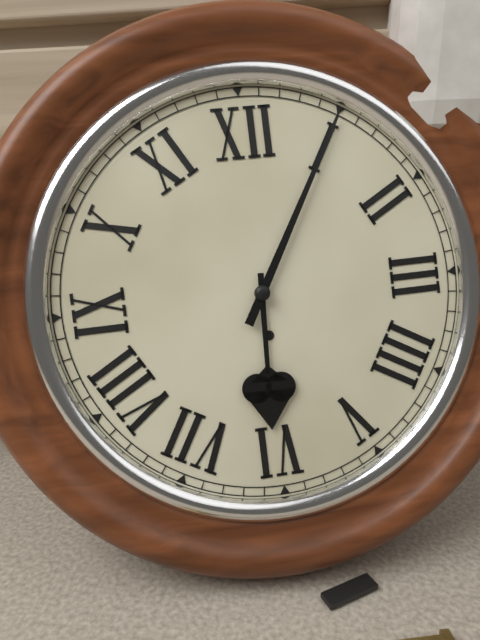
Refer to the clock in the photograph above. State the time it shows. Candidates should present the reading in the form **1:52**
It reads **6:05**
